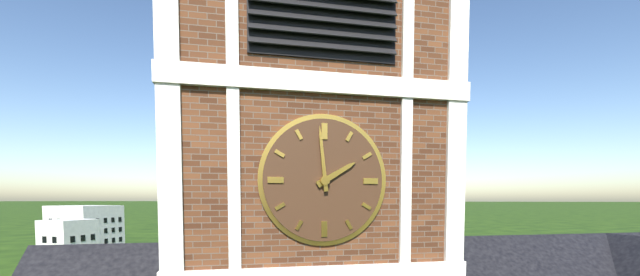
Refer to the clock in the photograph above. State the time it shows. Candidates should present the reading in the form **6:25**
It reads **1:59**
